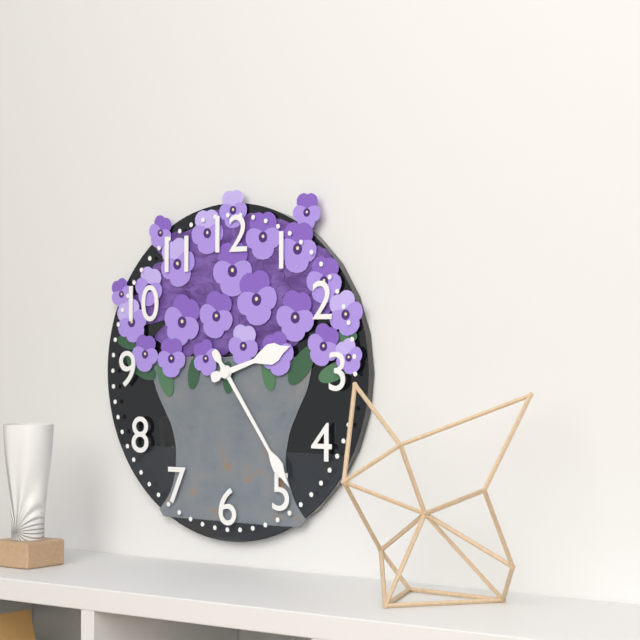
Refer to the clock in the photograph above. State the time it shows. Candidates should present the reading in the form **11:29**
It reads **2:24**
